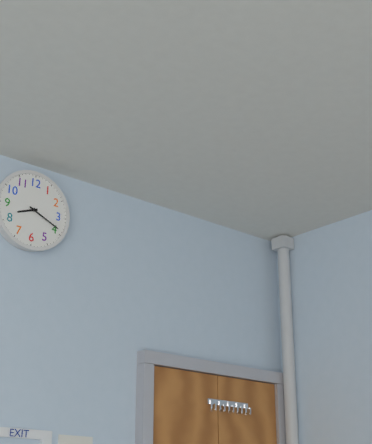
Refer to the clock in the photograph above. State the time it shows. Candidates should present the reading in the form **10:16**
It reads **8:19**
